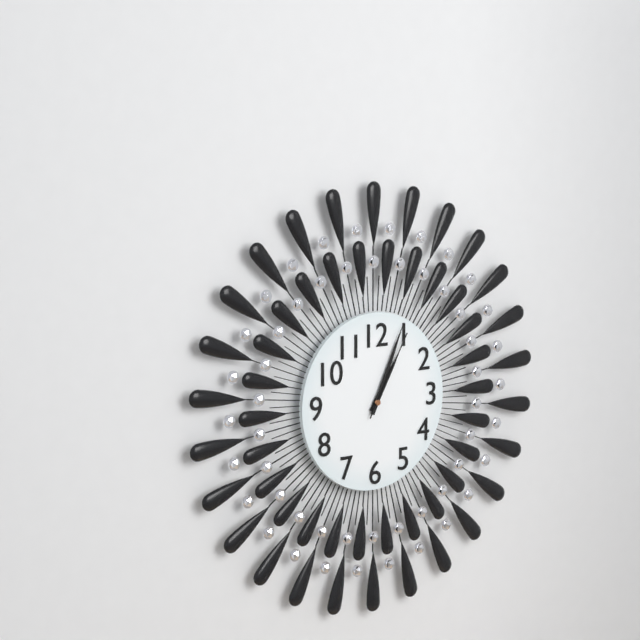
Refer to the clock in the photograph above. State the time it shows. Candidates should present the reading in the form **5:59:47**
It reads **1:04:05**
